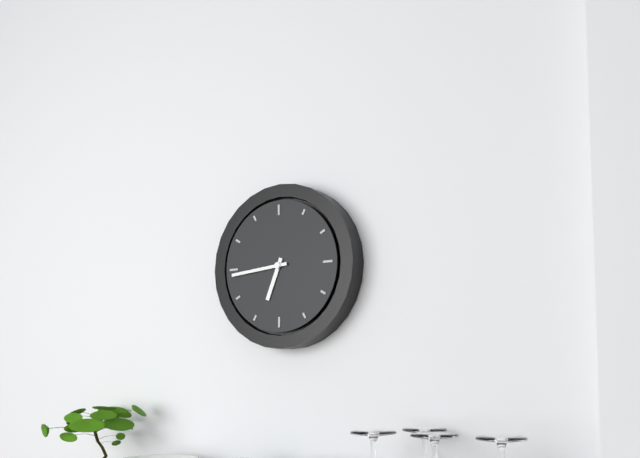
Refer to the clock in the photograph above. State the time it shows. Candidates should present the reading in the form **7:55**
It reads **6:44**
